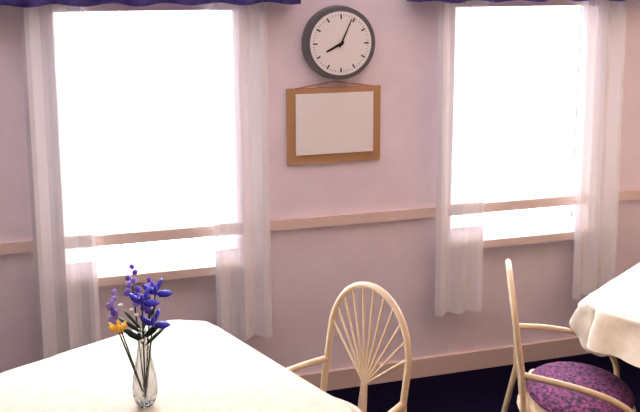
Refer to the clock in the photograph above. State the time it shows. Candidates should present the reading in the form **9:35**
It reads **8:04**
